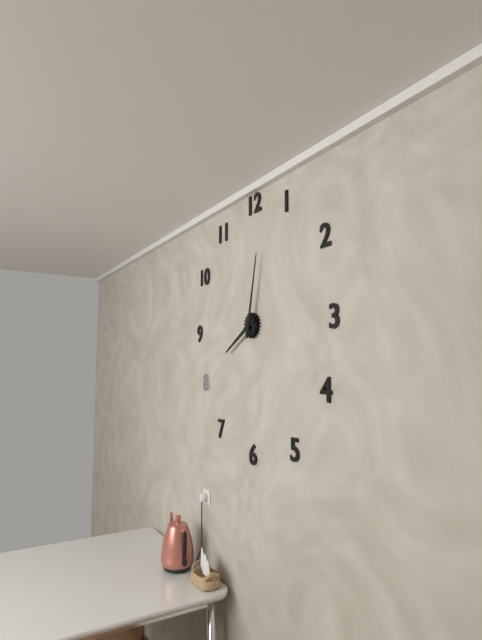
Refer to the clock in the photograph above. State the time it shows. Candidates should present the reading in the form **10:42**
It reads **8:02**
